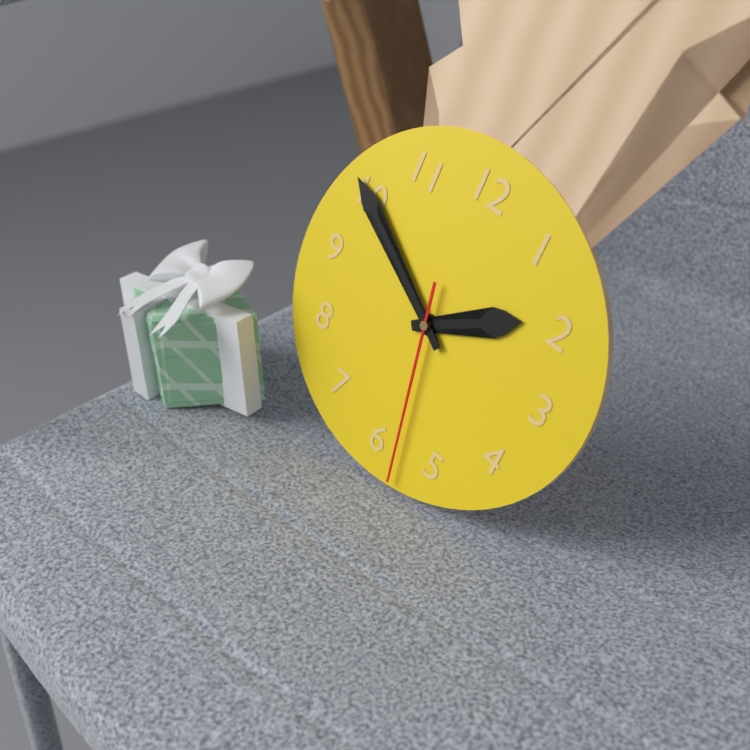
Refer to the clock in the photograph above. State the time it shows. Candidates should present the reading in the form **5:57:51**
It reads **1:50:28**
